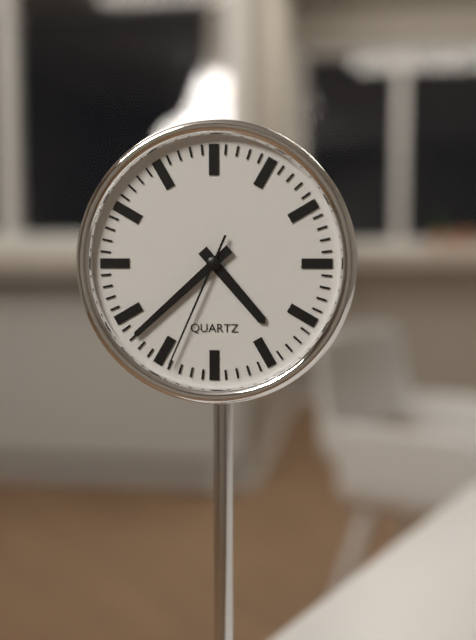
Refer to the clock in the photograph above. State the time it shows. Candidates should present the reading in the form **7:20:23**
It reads **4:38:34**
